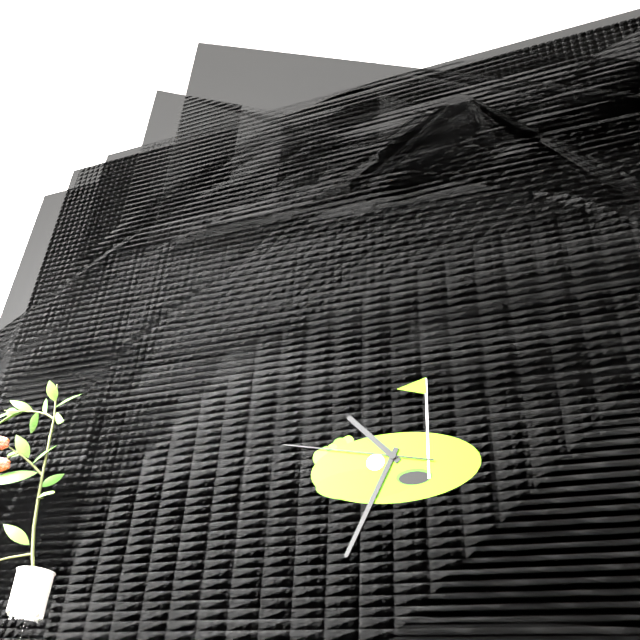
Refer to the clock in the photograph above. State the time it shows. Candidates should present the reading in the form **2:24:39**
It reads **10:34:47**
